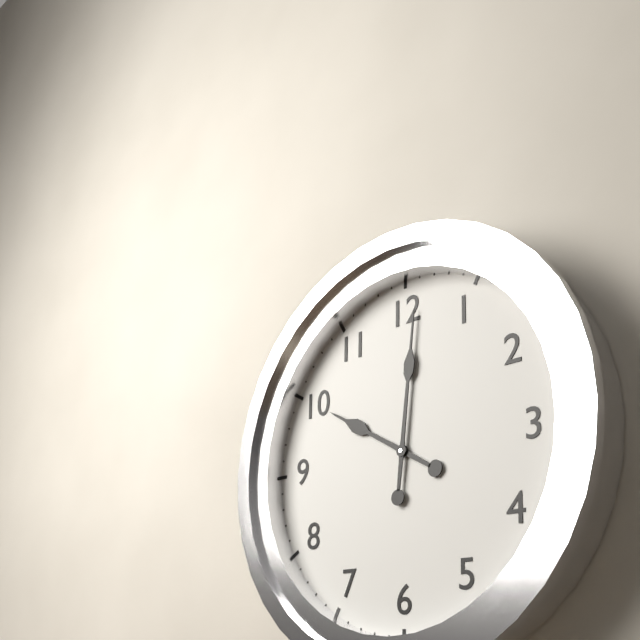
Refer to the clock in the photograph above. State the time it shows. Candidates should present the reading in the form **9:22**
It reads **10:01**
